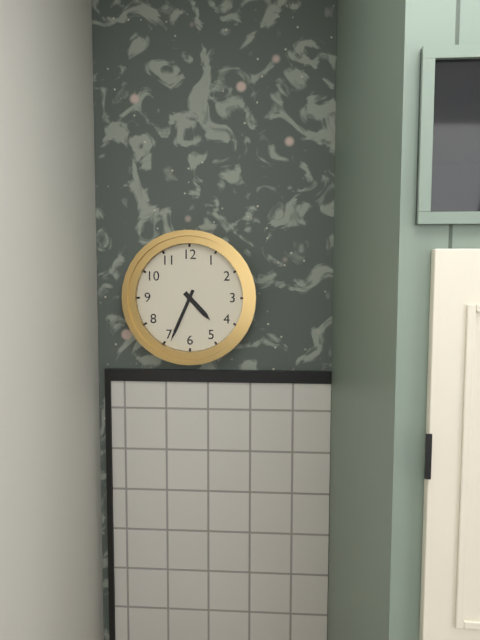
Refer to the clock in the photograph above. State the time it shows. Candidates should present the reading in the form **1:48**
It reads **4:34**
